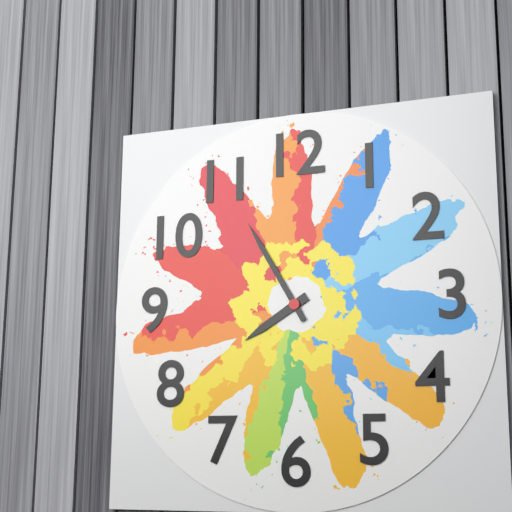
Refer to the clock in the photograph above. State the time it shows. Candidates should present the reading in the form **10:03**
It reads **7:55**
